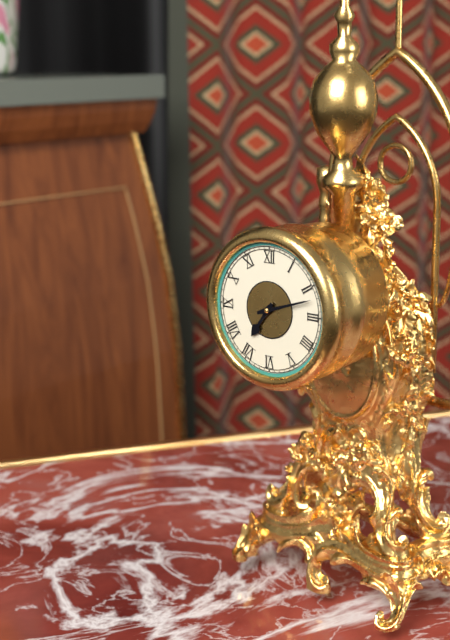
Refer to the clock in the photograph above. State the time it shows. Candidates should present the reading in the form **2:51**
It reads **7:12**
